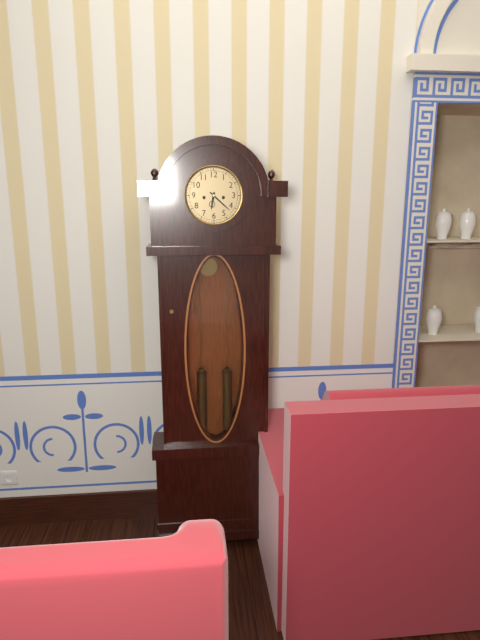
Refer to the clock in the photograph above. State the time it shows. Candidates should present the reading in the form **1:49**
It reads **6:22**
